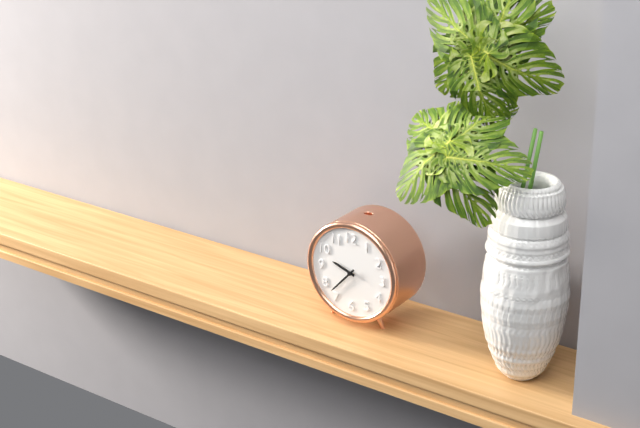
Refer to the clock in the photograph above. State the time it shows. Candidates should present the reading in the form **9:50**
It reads **9:37**
